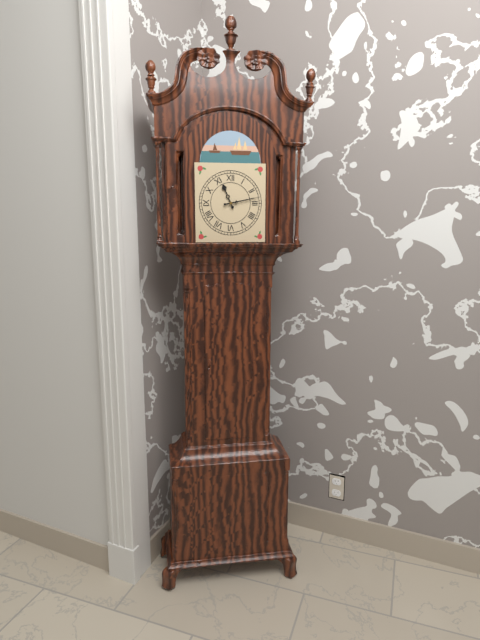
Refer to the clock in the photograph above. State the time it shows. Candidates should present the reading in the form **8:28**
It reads **11:13**
